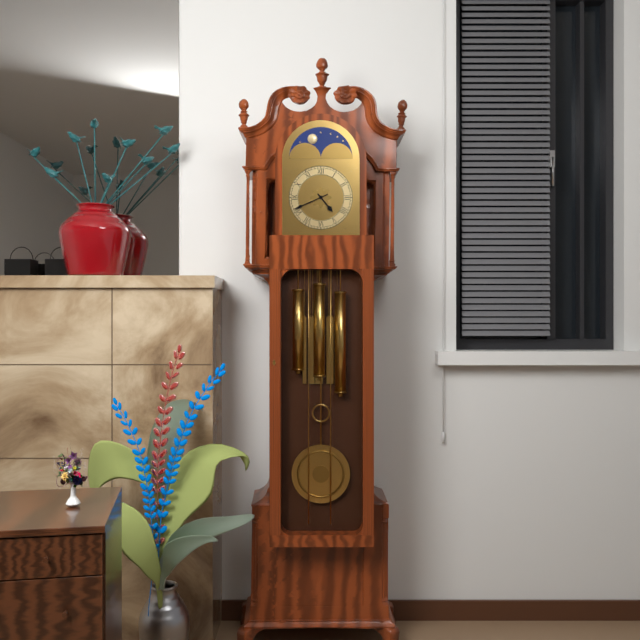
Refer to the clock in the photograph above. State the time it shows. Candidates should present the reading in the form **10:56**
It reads **4:41**
